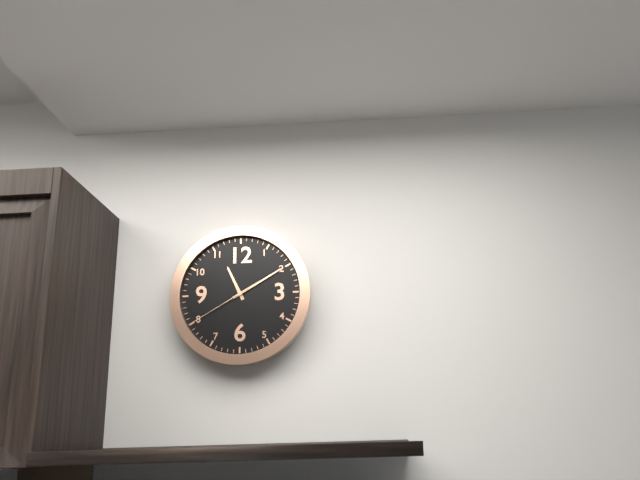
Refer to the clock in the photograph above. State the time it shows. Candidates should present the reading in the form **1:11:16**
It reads **11:10:40**
